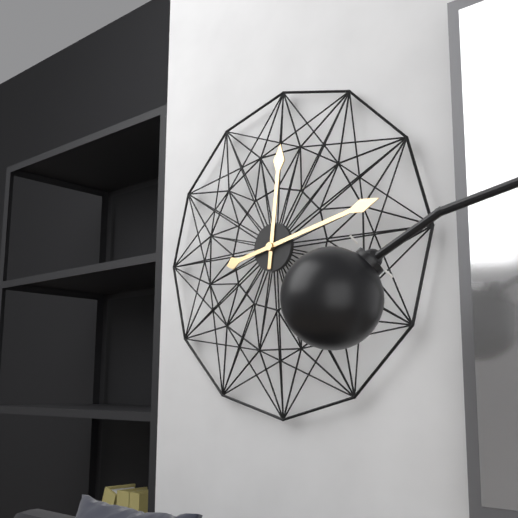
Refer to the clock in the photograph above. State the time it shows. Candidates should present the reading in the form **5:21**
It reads **12:13**
